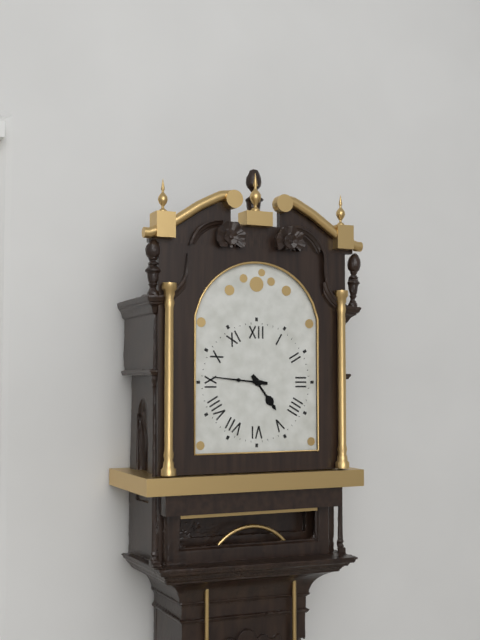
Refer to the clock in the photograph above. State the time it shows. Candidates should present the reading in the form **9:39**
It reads **4:46**
